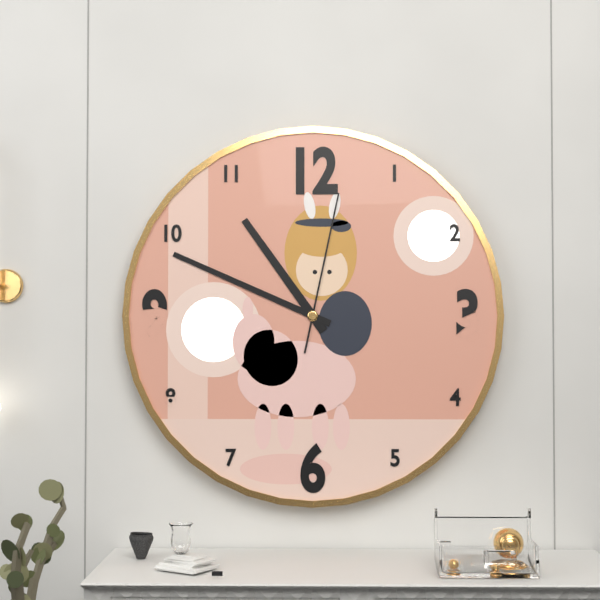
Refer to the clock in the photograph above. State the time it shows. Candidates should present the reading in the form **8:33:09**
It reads **10:49:02**
